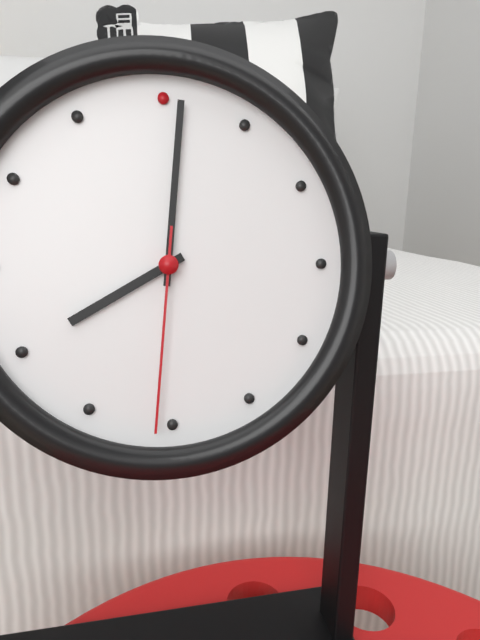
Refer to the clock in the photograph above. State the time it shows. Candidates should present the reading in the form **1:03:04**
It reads **8:01:31**
